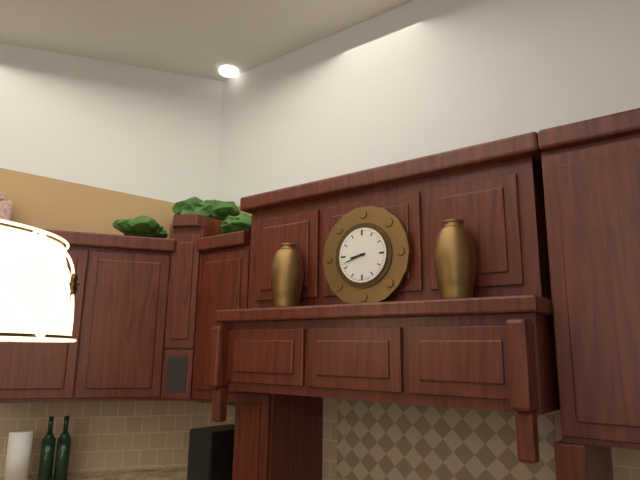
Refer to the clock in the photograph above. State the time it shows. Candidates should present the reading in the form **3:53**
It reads **8:42**
